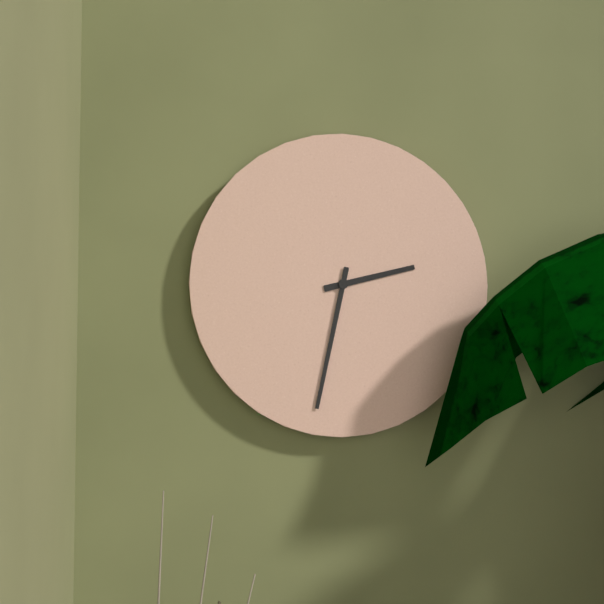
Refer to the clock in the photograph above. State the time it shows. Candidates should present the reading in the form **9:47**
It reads **2:32**
